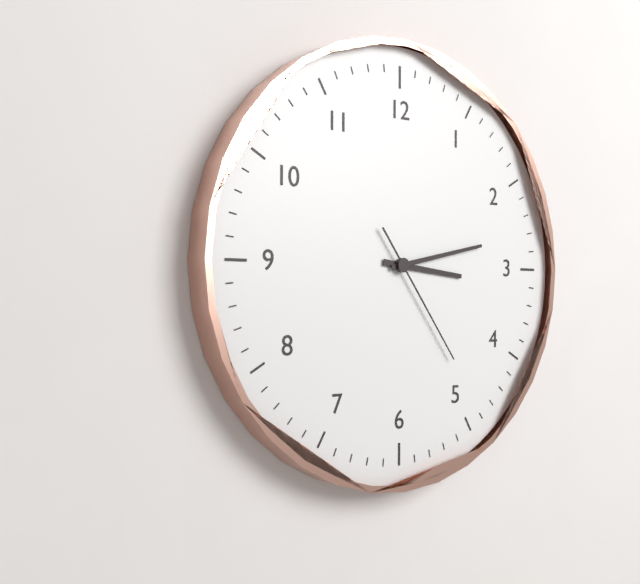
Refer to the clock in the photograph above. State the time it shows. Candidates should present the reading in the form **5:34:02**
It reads **3:13:24**
